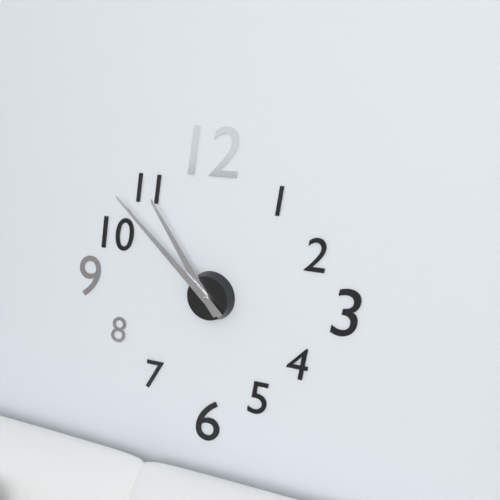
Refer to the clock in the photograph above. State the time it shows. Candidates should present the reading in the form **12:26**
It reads **10:52**
